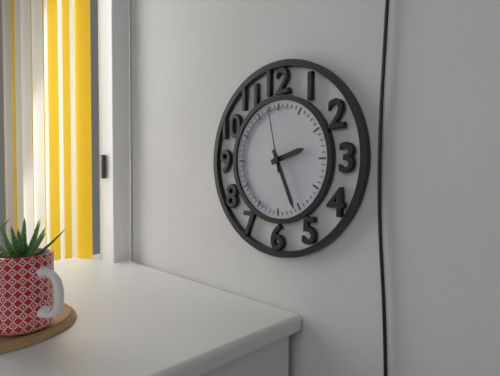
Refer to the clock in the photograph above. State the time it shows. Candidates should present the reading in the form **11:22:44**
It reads **2:26:58**
